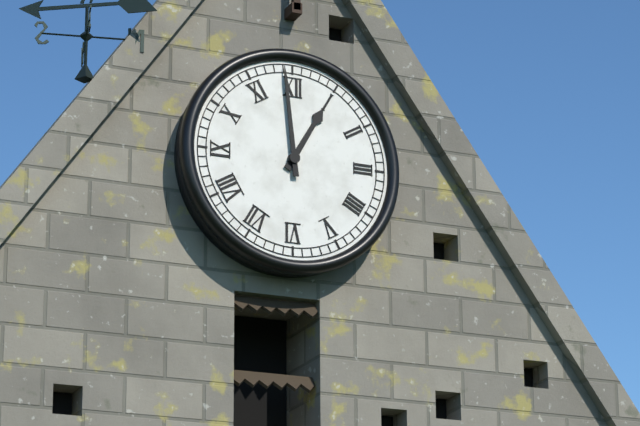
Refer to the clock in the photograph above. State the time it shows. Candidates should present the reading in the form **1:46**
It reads **12:59**
